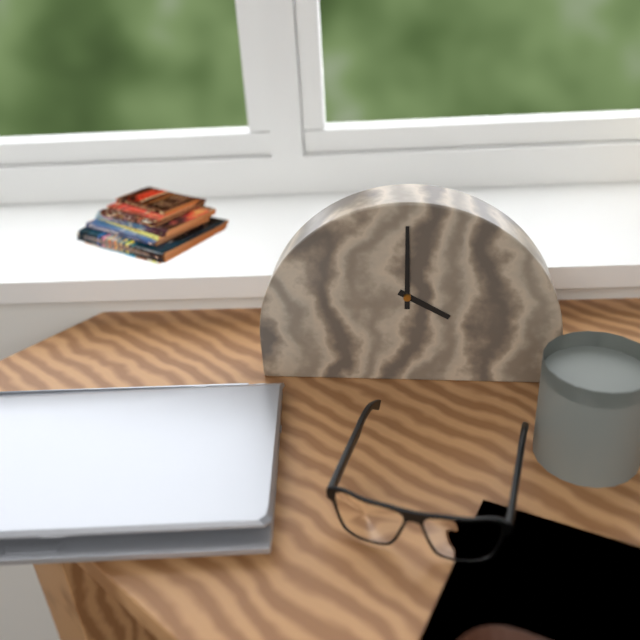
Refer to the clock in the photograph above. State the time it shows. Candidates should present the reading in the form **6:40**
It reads **4:00**
